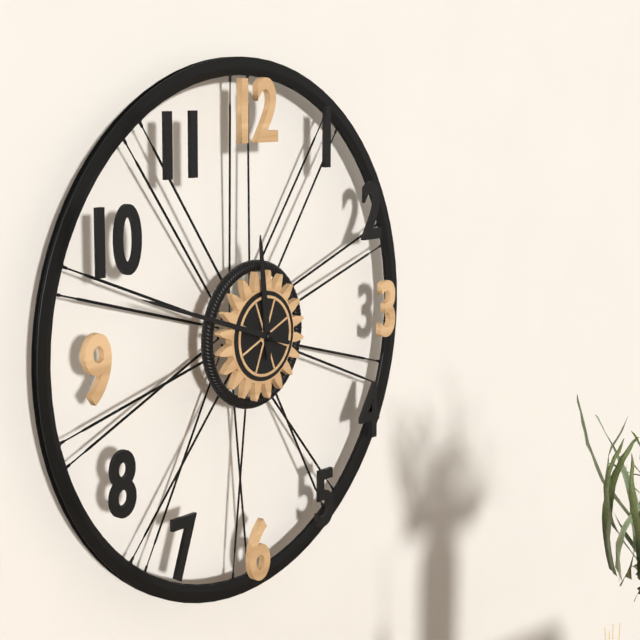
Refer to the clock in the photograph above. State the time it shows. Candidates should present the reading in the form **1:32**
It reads **11:48**
